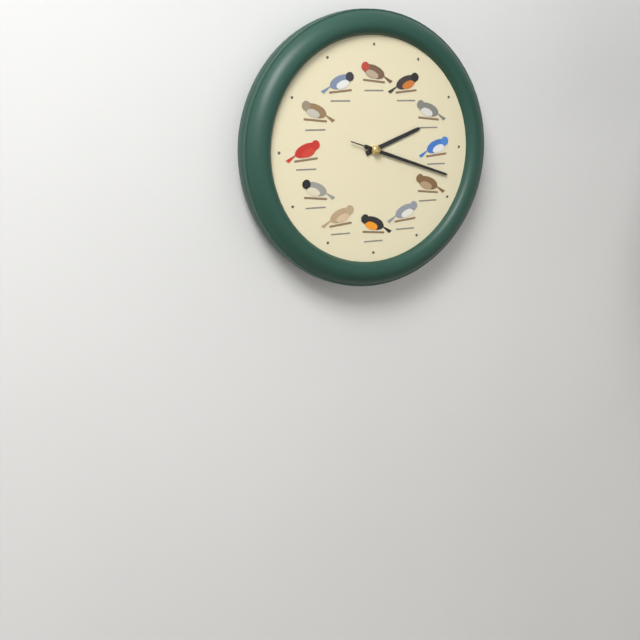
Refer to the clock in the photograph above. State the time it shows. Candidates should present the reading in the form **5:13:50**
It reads **2:18:18**
